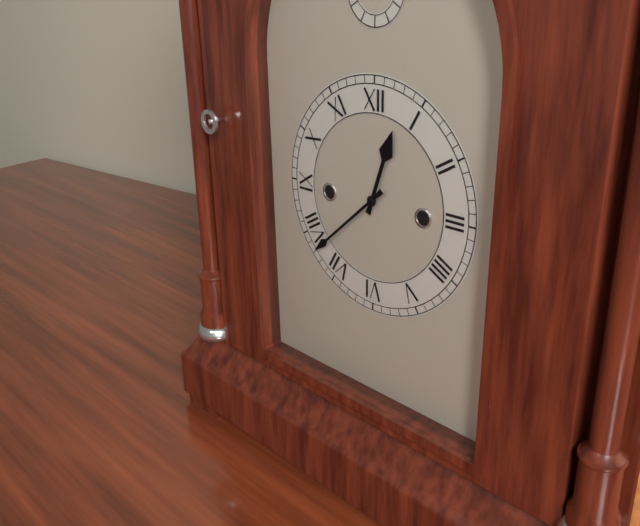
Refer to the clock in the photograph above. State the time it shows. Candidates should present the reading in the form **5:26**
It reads **12:38**
